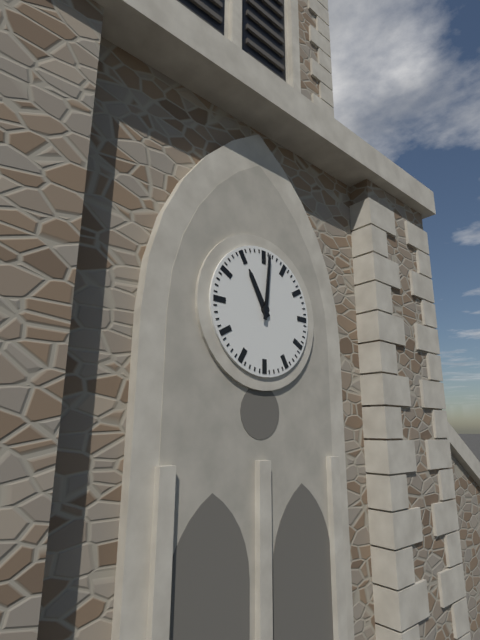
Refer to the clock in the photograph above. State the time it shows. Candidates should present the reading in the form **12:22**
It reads **11:01**
